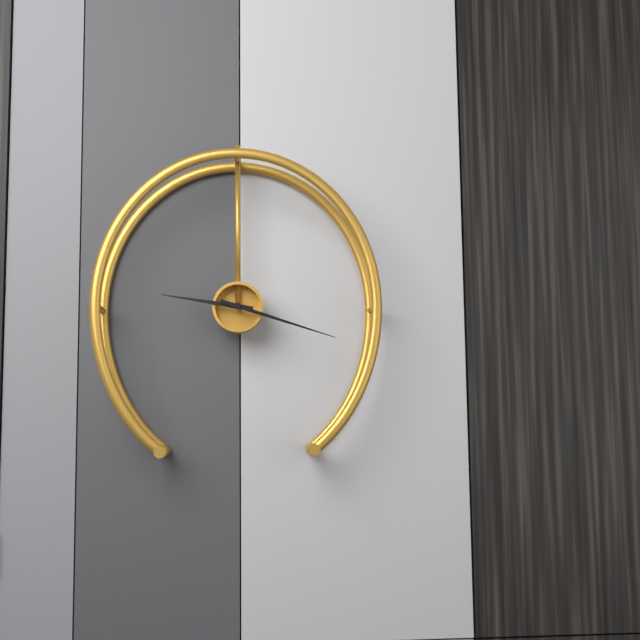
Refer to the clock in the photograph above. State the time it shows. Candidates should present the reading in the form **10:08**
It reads **9:18**
